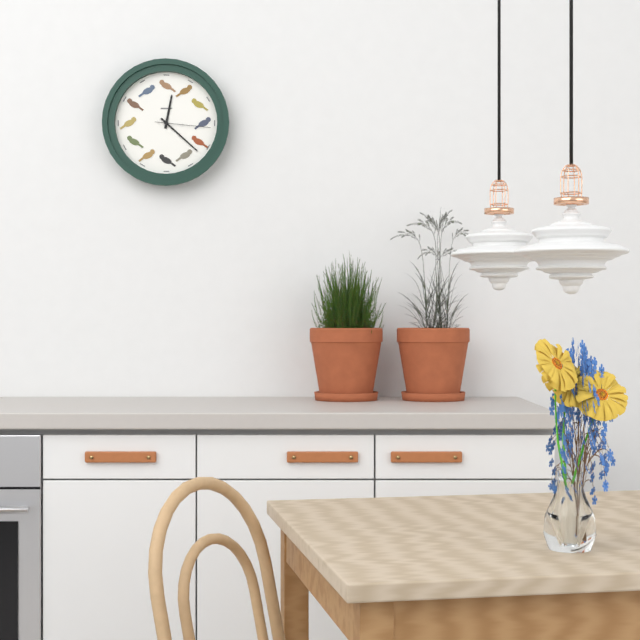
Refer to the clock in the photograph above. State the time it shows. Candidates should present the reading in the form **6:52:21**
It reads **12:22:16**
